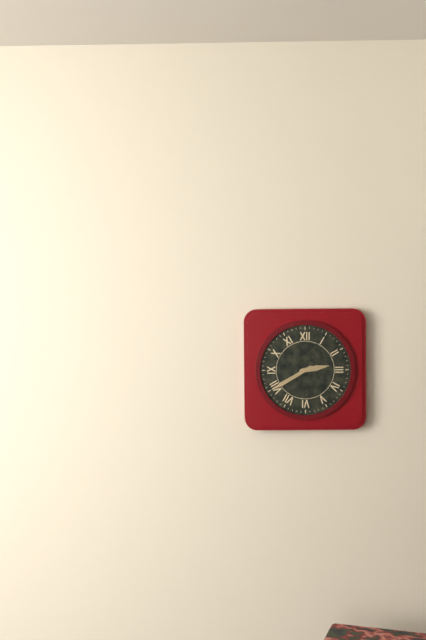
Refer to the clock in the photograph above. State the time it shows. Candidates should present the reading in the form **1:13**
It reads **2:40**
